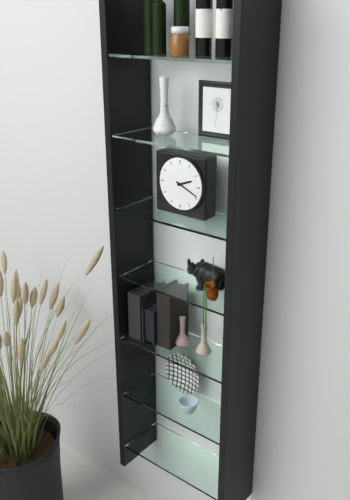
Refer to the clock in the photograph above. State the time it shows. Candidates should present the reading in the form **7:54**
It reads **2:19**
